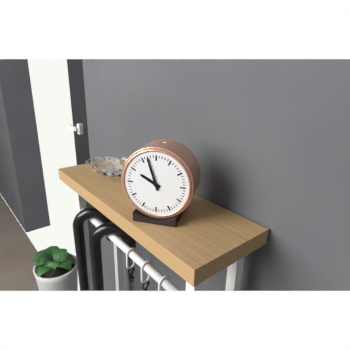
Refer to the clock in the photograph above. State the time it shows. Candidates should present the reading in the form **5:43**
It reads **9:57**
